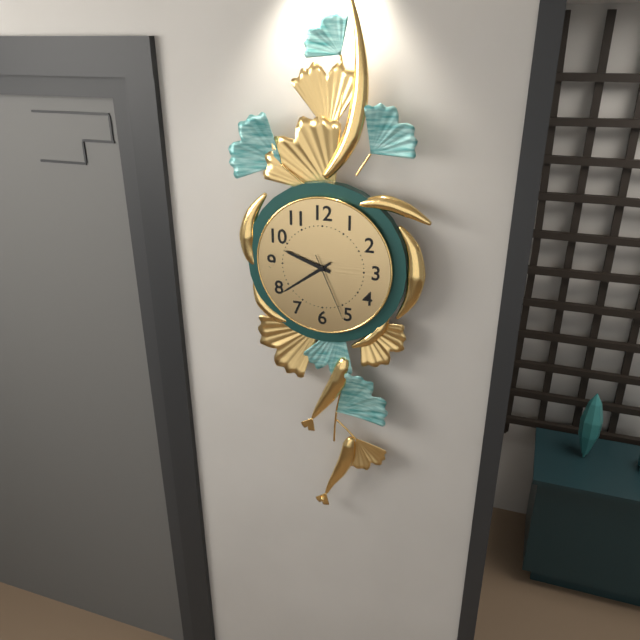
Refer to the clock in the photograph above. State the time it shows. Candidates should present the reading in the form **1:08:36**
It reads **9:39:26**
